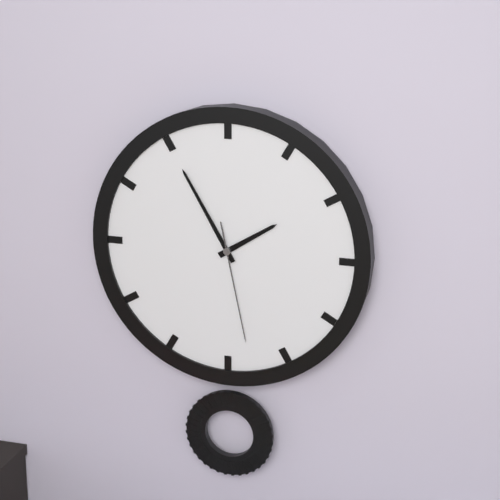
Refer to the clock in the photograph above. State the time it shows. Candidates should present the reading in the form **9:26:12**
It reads **1:55:28**
